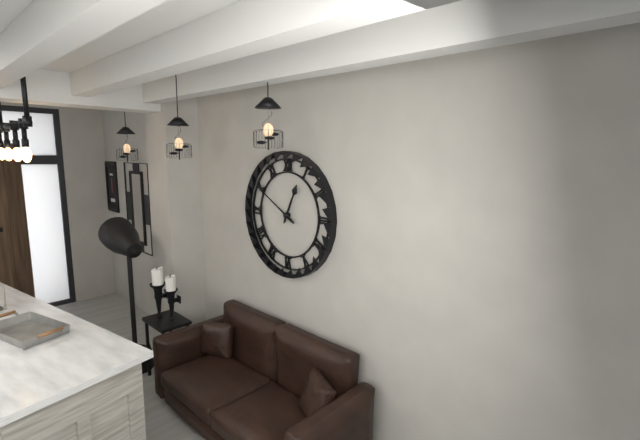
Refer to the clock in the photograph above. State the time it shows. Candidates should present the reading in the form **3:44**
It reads **12:50**
